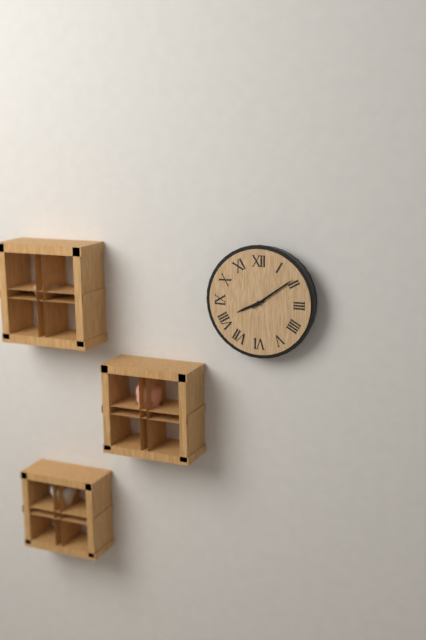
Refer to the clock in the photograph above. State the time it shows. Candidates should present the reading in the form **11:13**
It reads **8:09**
